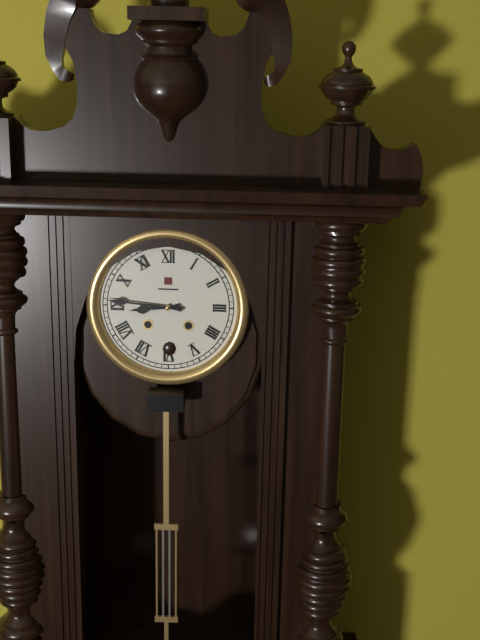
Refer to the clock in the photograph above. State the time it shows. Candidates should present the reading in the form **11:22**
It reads **8:46**
